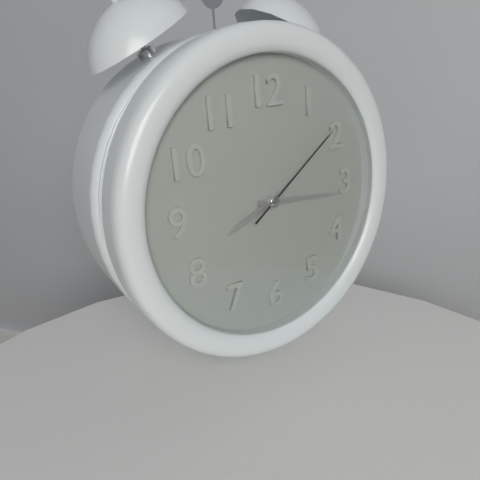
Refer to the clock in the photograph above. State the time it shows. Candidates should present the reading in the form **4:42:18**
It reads **8:16:09**
